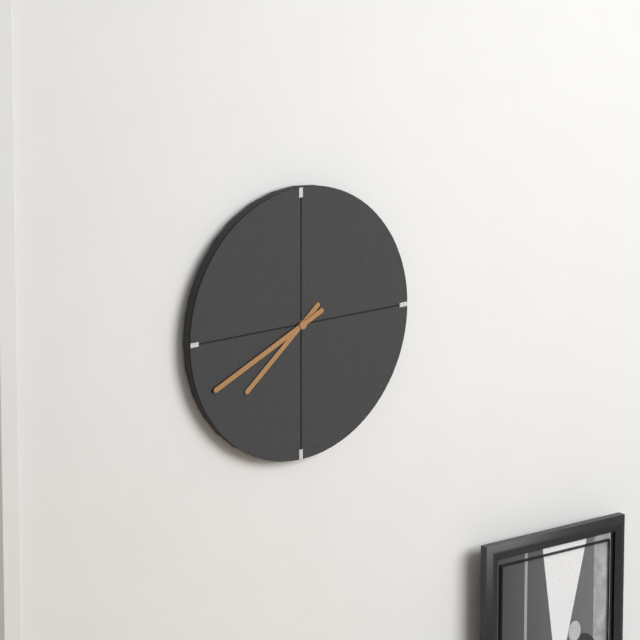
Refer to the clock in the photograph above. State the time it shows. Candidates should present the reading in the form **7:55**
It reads **7:41**
